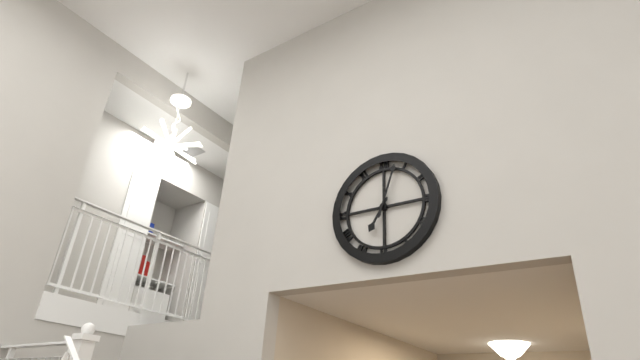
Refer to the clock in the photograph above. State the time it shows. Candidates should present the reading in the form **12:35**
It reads **7:03**
